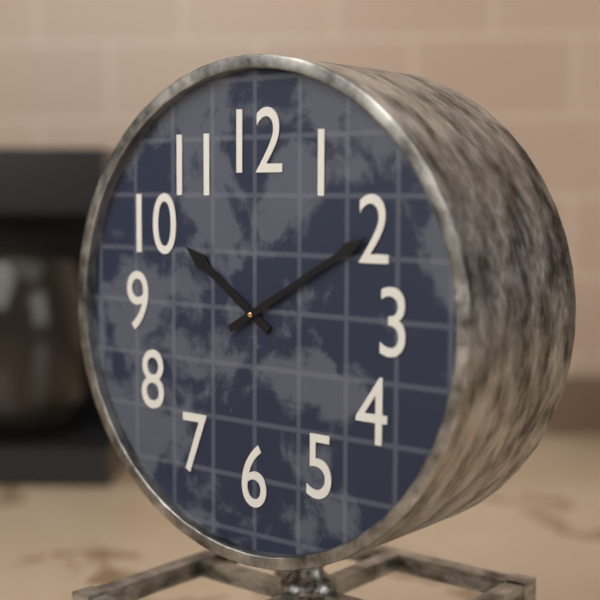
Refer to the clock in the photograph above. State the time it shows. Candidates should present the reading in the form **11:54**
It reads **10:10**
